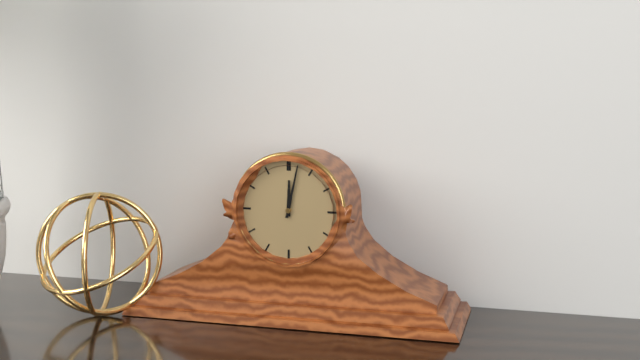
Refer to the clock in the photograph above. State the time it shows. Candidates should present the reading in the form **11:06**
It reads **12:02**
